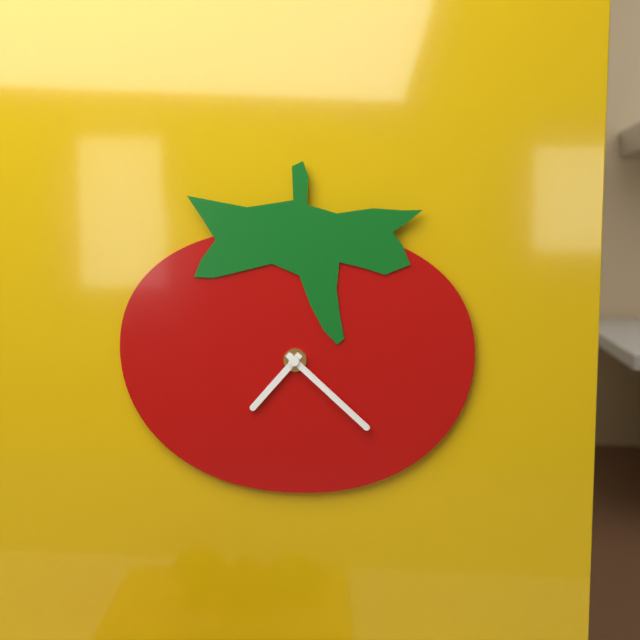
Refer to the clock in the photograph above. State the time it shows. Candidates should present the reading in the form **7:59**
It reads **7:22**
